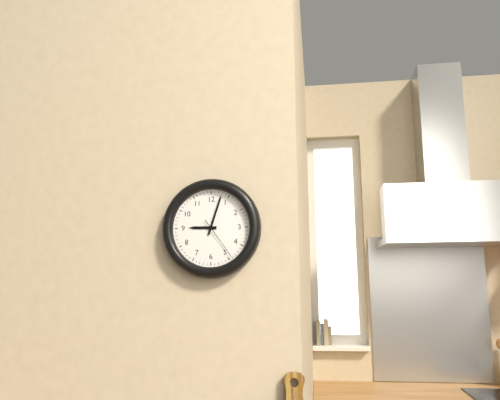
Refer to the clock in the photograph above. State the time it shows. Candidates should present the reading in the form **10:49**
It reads **9:03**
